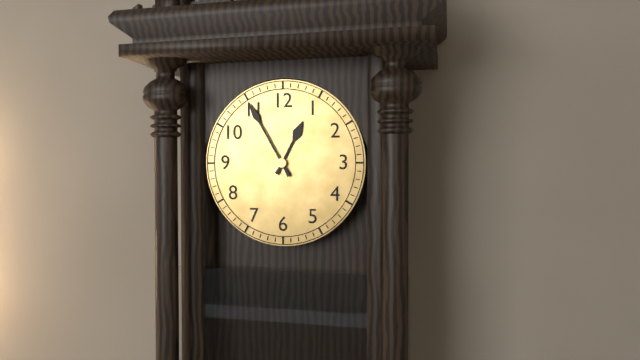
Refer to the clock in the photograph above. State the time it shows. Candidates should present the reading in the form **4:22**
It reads **12:55**
